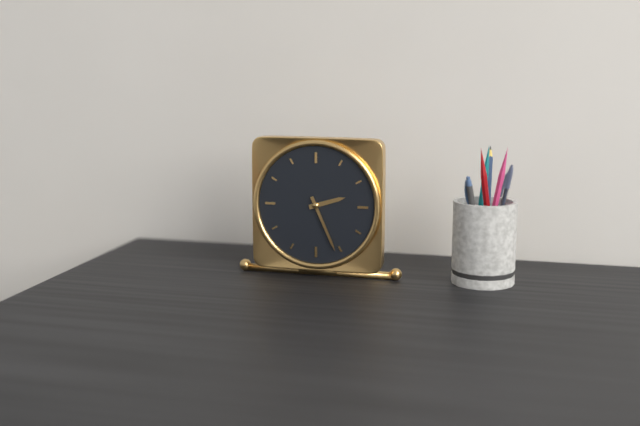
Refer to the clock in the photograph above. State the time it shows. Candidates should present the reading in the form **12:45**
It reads **2:26**
